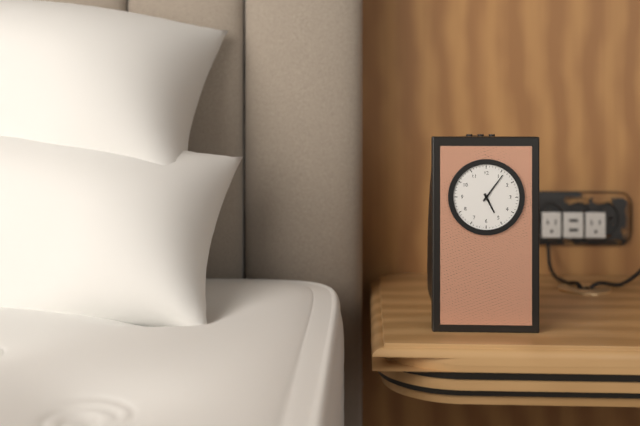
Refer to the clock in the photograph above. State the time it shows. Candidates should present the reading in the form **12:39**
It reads **5:06**
